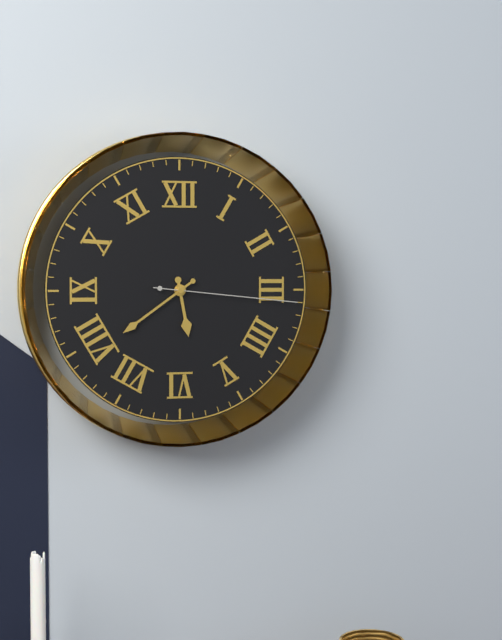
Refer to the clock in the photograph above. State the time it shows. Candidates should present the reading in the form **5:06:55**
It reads **5:39:16**
